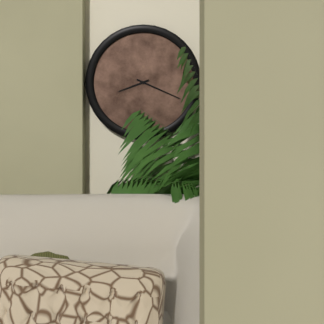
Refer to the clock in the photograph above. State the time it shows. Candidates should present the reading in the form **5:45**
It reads **8:19**
